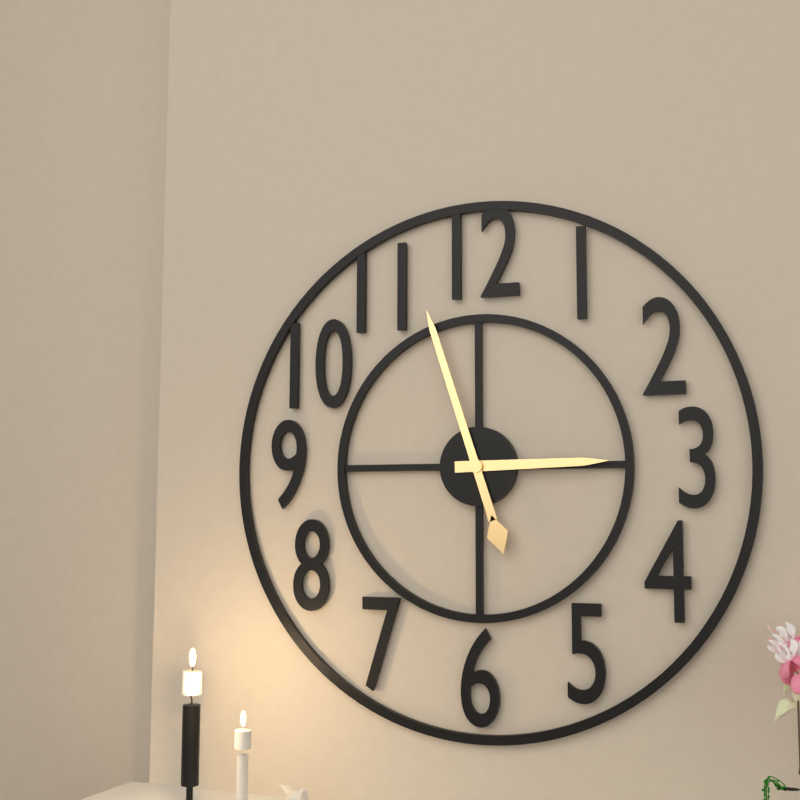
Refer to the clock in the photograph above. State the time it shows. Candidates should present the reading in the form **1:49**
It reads **2:57**
